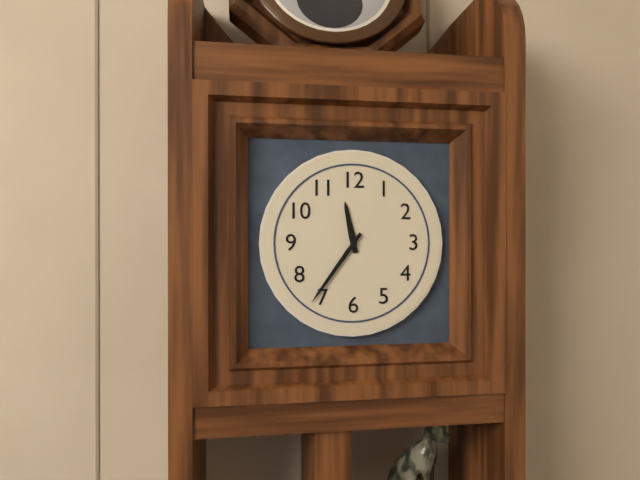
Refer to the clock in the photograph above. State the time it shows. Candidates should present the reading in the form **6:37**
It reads **11:36**
